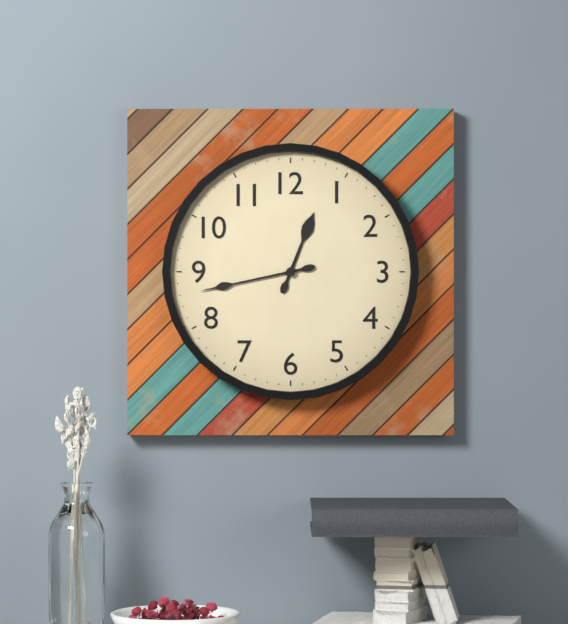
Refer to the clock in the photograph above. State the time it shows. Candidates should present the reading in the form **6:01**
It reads **12:43**
